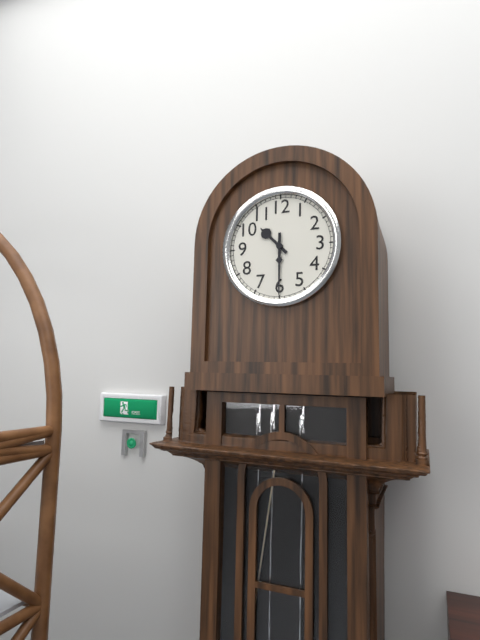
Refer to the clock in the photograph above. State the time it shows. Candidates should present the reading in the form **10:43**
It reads **10:30**
